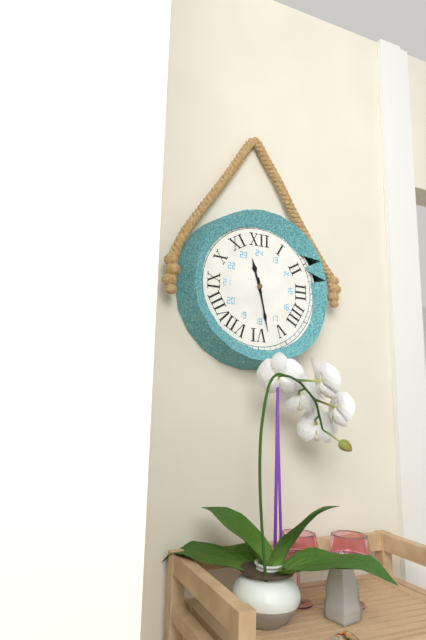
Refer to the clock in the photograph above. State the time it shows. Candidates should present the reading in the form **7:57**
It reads **11:28**
